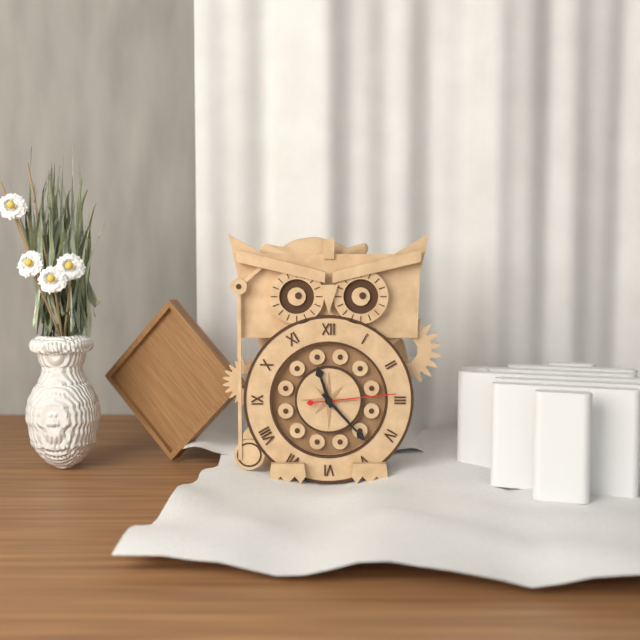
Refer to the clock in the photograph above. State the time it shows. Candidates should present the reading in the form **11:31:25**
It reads **11:23:14**
